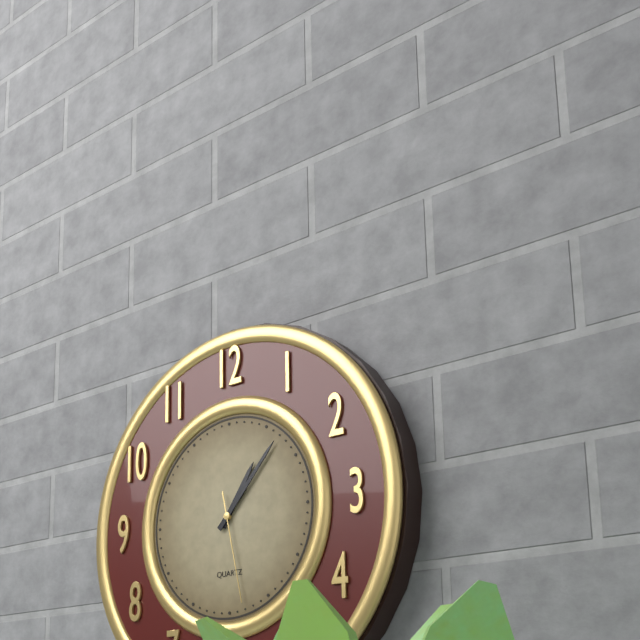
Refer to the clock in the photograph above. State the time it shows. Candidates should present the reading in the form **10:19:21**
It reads **1:07:28**
